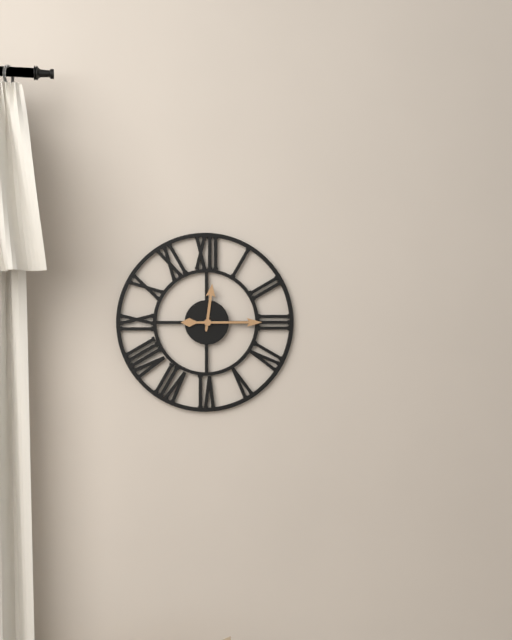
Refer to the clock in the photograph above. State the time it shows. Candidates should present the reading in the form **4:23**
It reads **12:15**
